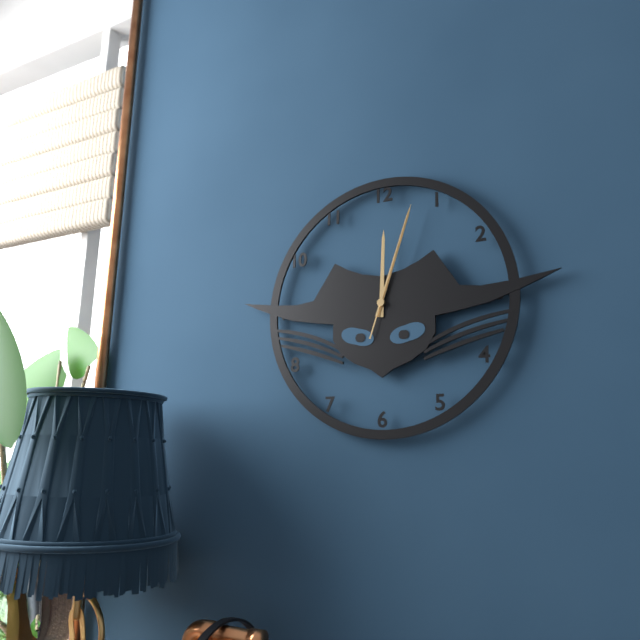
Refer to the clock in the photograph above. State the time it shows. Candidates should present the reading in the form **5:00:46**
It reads **12:03:03**
